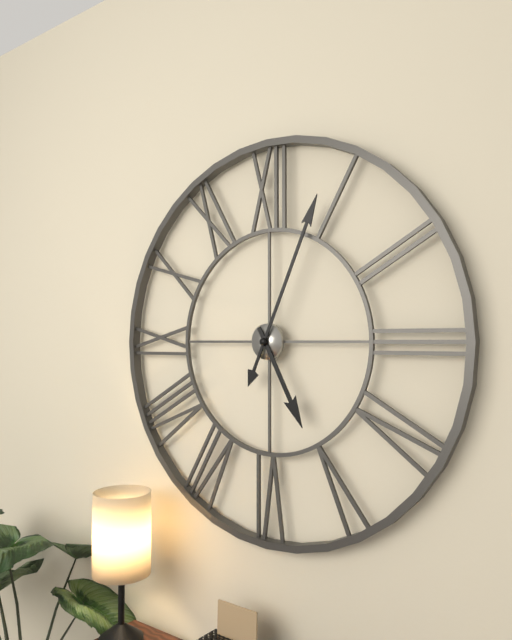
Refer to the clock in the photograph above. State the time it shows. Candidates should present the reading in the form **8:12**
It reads **5:04**
